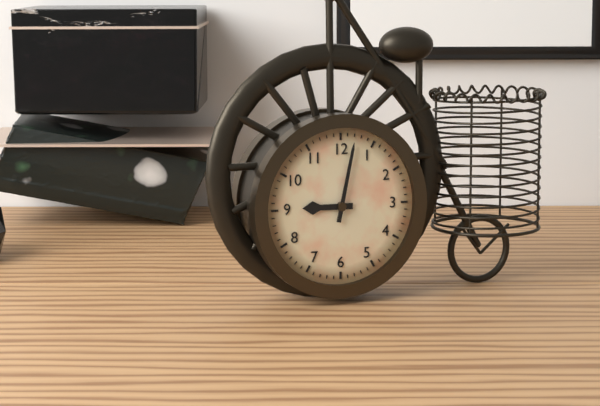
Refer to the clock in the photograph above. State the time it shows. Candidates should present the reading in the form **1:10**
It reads **9:02**
